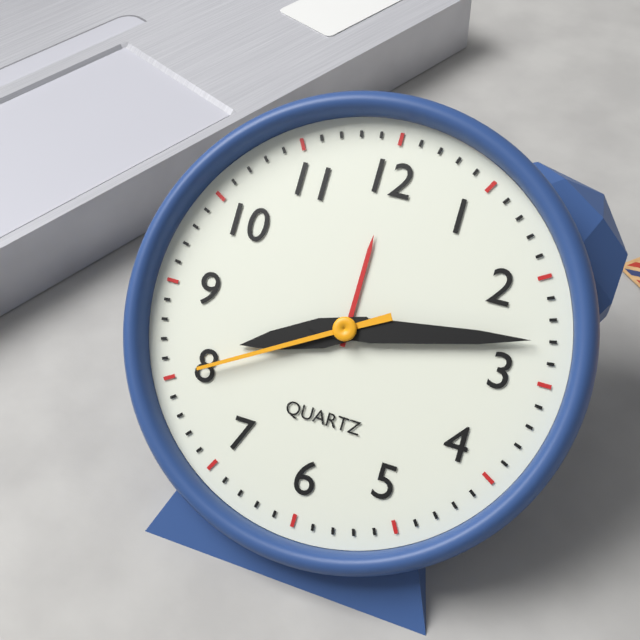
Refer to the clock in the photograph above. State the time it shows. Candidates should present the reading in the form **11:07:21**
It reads **8:13:40**
